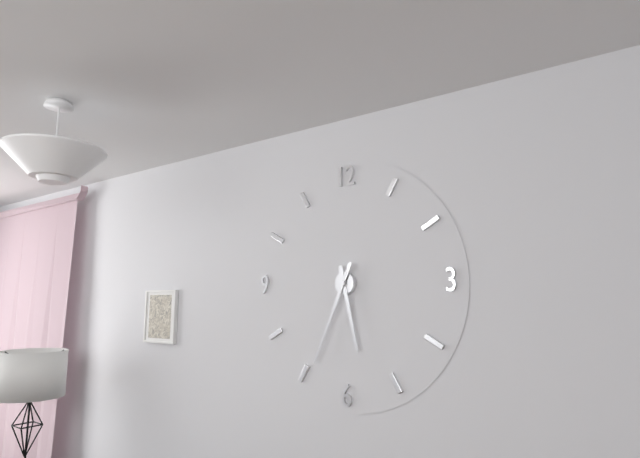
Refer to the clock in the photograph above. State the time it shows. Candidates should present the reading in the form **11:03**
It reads **5:34**
